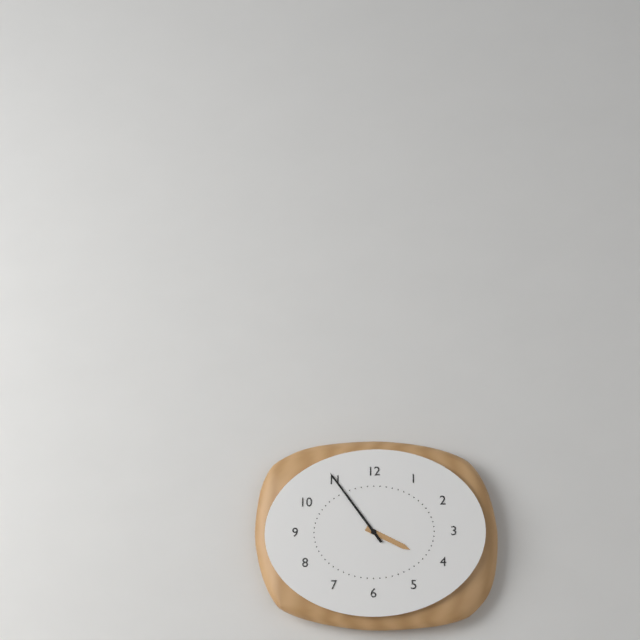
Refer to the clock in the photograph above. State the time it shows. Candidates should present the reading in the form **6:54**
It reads **3:54**
